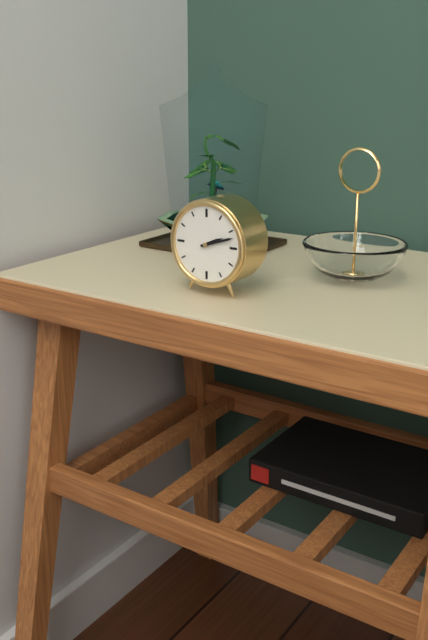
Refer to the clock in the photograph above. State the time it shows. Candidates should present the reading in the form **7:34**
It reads **2:12**
